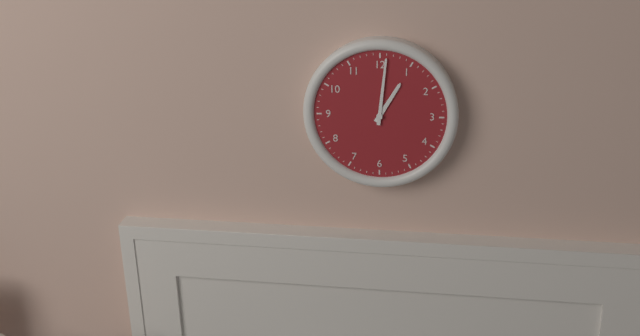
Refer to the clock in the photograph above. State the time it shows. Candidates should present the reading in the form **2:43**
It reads **1:01**
